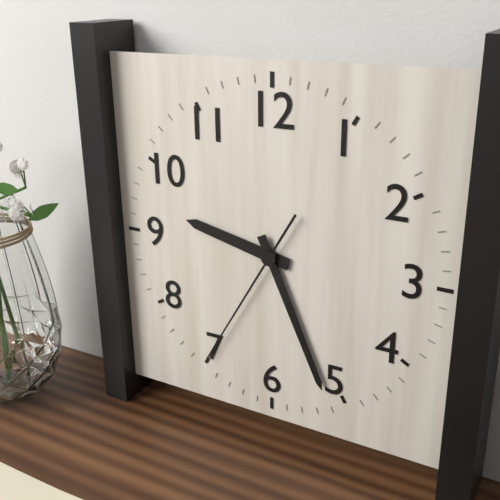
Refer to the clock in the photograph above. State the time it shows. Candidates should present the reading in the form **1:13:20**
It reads **9:26:35**
